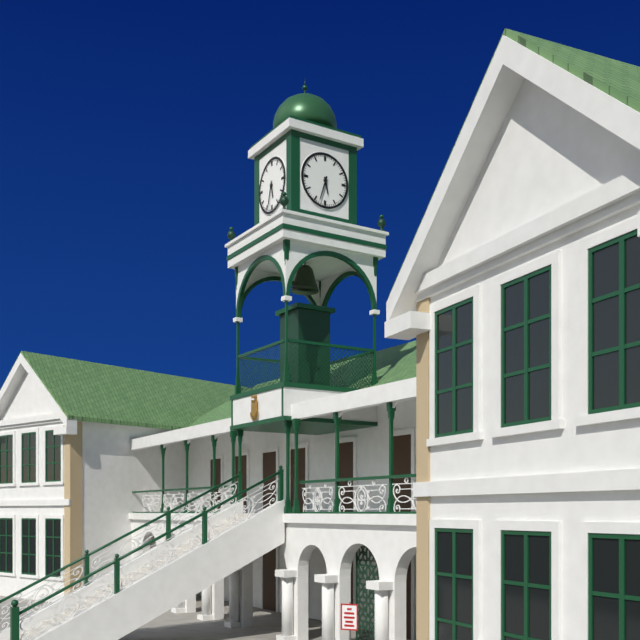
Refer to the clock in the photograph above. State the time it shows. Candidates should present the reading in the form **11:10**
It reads **5:33**
